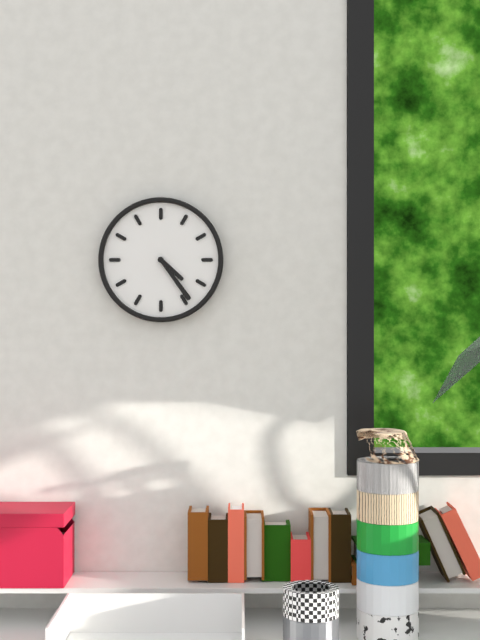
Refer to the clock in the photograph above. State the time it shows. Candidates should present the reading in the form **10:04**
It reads **4:24**
